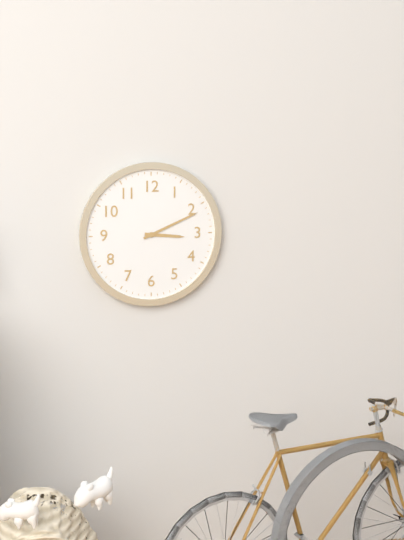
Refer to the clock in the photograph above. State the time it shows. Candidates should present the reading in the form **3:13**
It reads **3:11**
